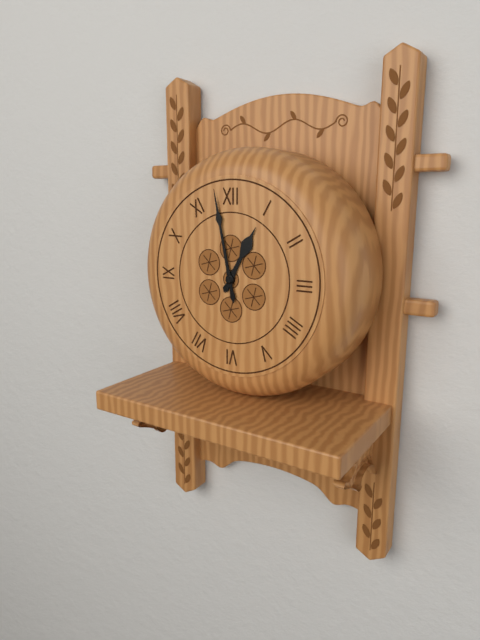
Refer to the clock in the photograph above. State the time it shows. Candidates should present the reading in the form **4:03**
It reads **12:58**
